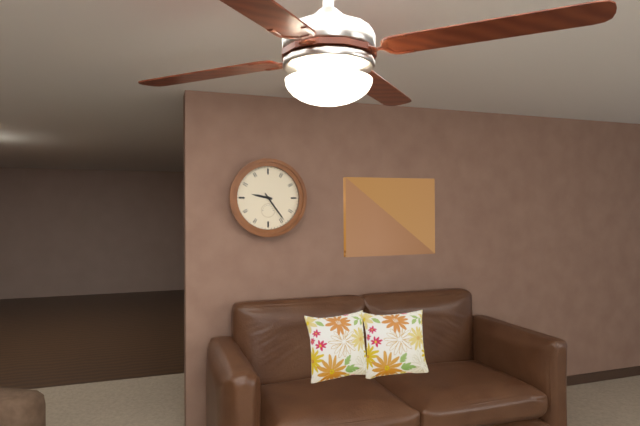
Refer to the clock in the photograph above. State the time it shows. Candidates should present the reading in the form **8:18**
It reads **9:24**
